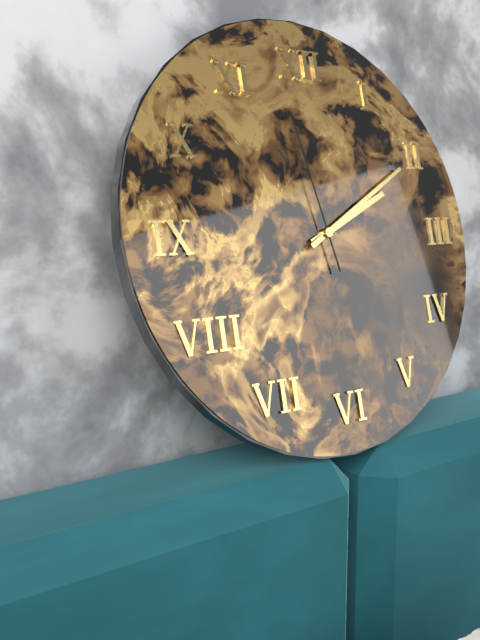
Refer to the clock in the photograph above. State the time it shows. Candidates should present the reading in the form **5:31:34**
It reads **2:10:58**
